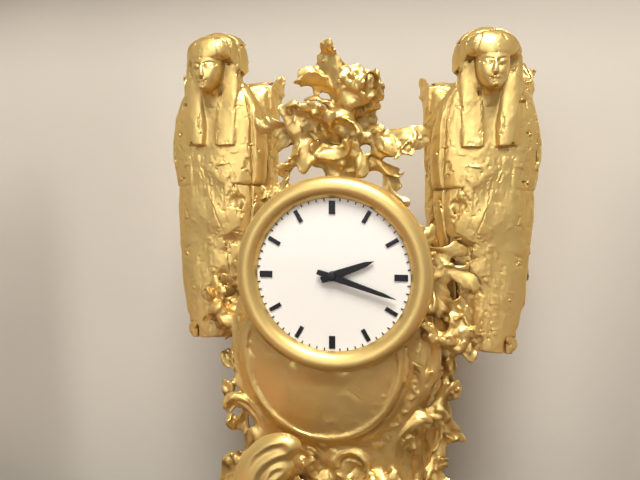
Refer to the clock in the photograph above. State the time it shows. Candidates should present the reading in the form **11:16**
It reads **2:18**
